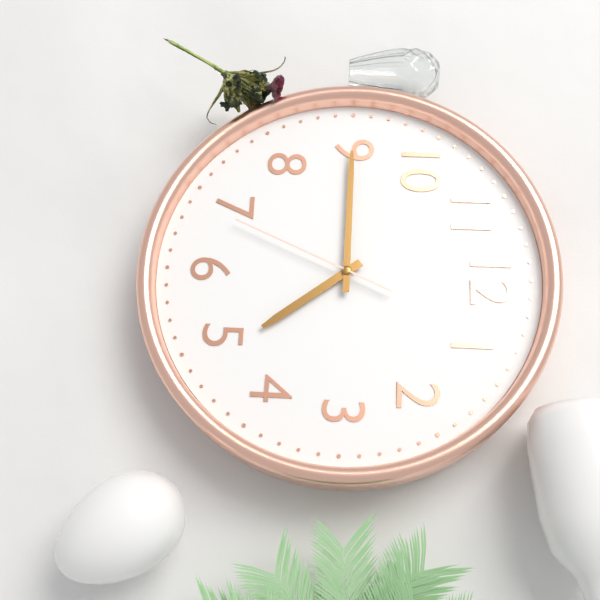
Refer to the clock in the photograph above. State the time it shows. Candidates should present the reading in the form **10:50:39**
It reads **4:45:34**
